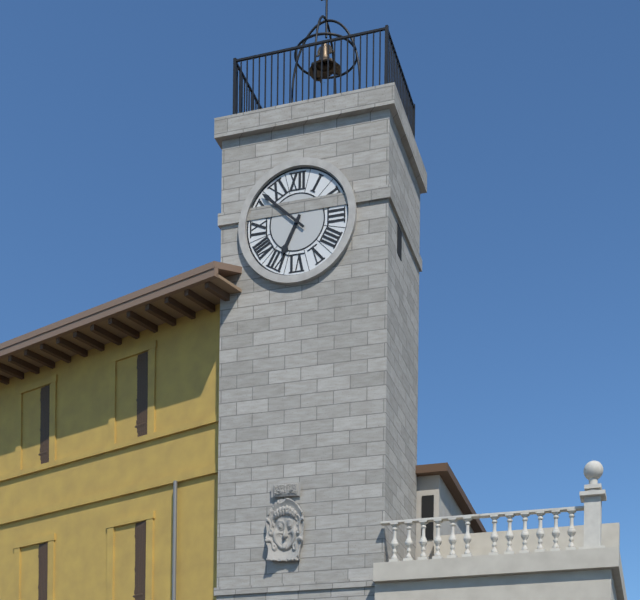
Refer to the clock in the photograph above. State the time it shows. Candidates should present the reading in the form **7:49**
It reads **6:52**
